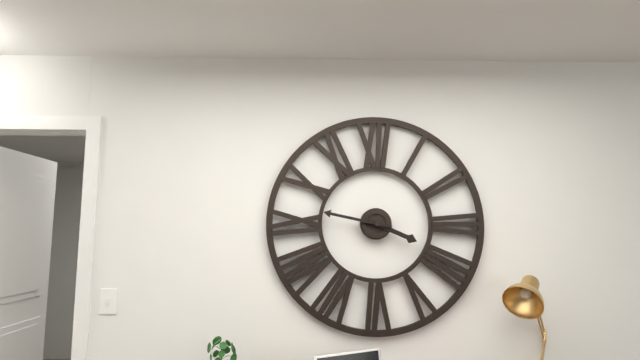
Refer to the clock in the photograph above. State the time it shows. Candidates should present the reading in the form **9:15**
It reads **3:47**
